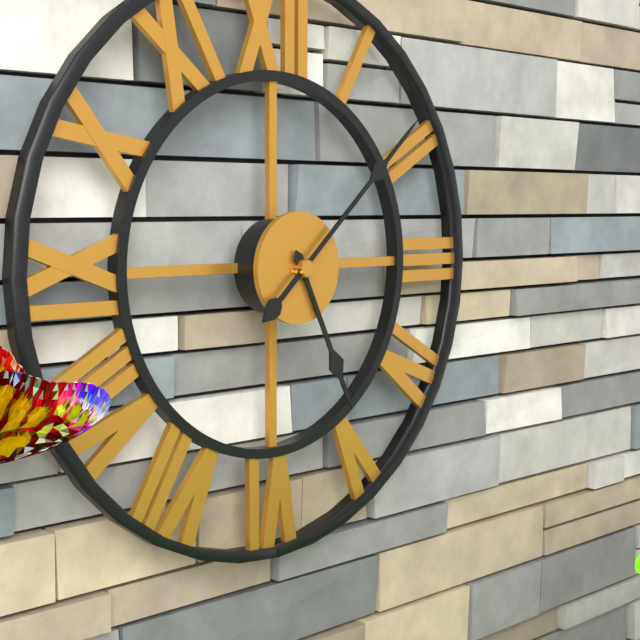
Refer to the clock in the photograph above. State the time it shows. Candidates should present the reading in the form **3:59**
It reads **5:08**
